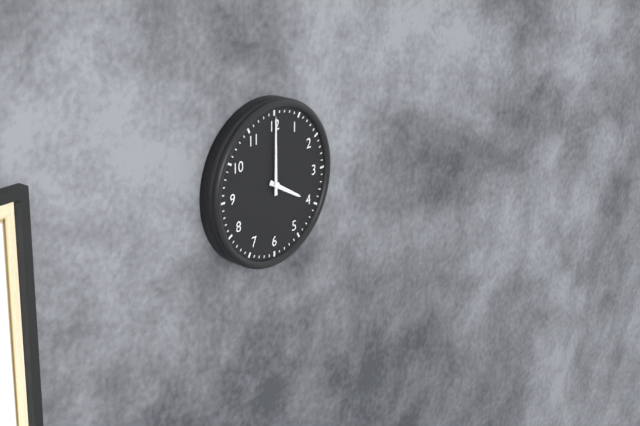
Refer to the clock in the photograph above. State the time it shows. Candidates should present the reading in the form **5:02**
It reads **4:00**
